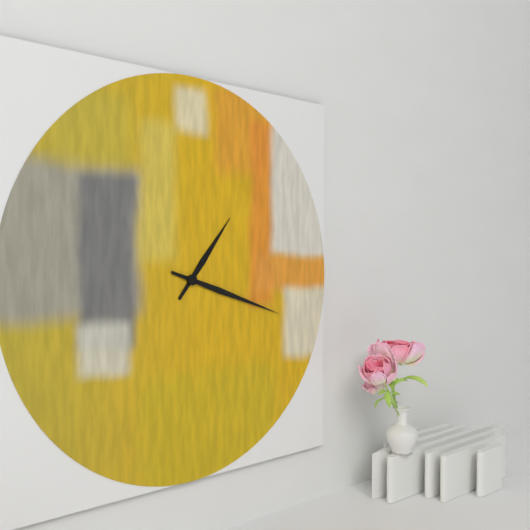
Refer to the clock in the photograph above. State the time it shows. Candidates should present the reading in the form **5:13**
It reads **1:18**
